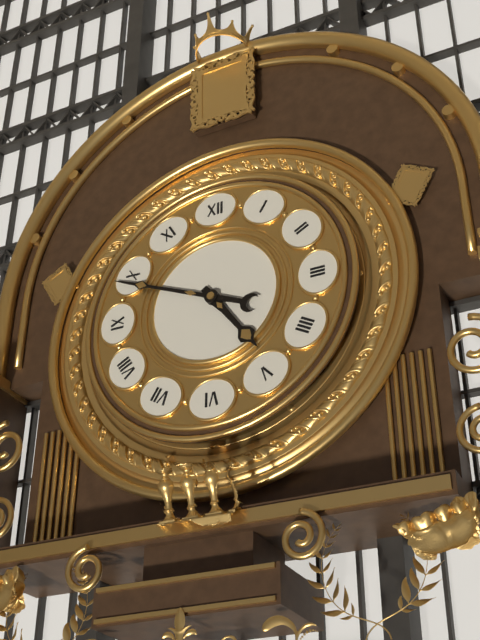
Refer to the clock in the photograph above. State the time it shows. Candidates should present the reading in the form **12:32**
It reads **4:49**
